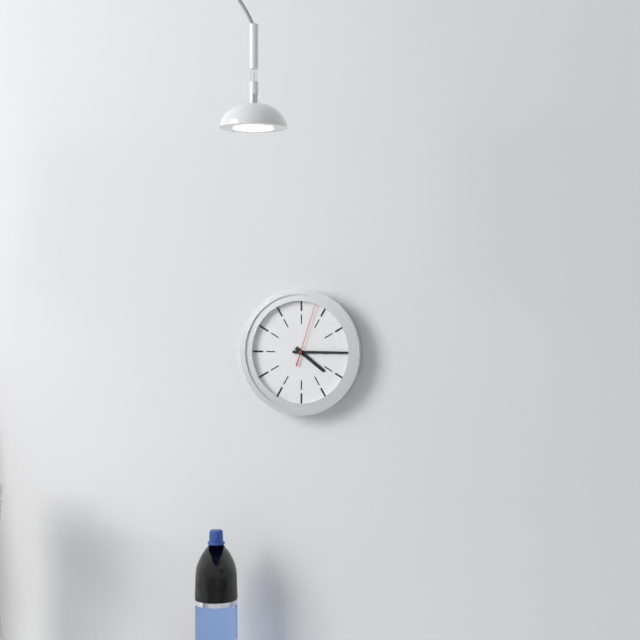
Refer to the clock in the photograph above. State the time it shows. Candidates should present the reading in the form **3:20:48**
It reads **4:15:03**
